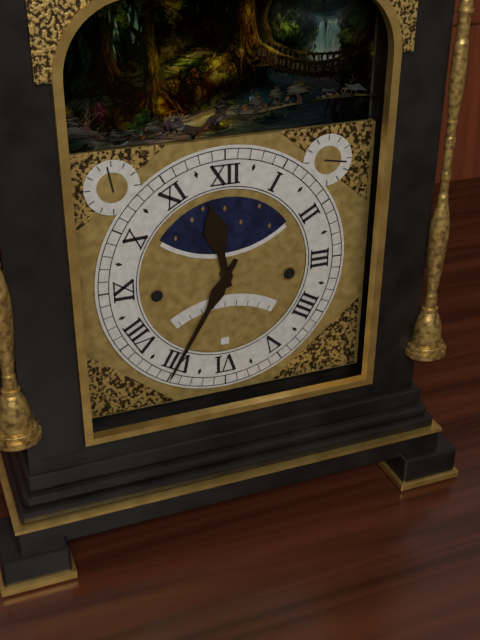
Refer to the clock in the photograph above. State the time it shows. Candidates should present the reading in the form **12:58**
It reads **11:35**
